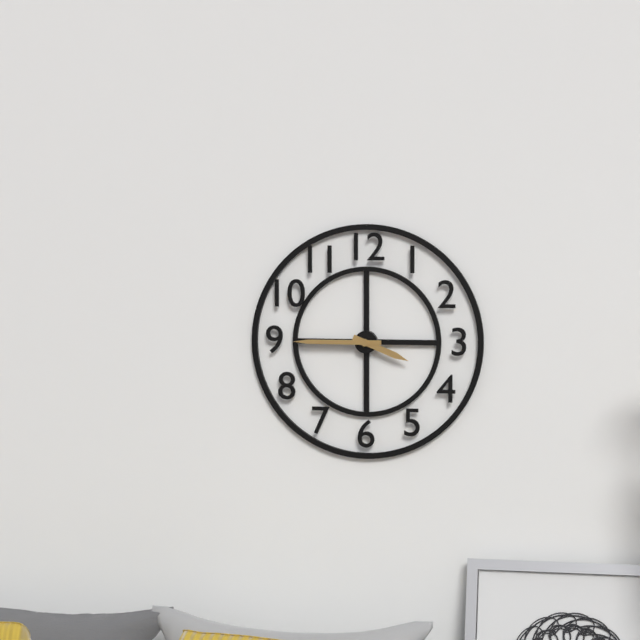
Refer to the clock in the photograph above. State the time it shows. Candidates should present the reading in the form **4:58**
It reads **3:45**
